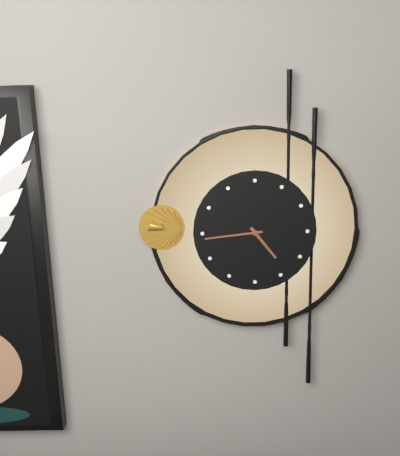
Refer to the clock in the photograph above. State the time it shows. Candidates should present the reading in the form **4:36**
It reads **4:44**
